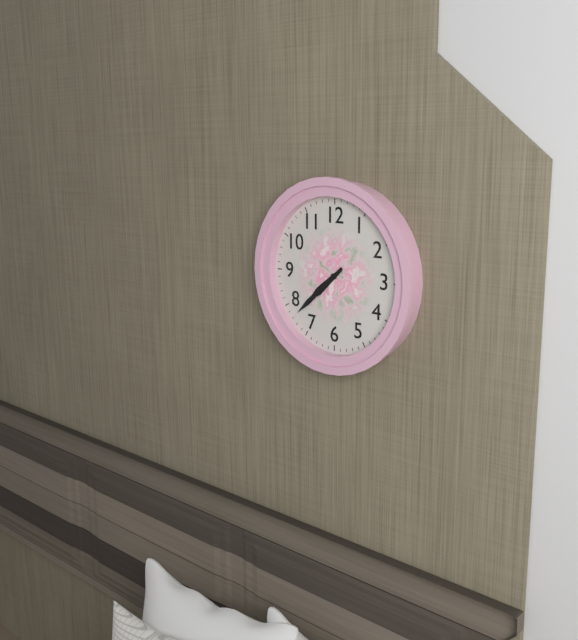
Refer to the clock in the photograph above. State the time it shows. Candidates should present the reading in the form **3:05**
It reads **7:38**
